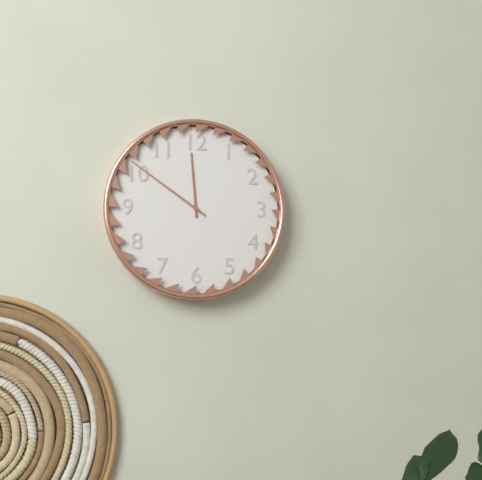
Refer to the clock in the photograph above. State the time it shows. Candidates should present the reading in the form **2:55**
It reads **11:51**
